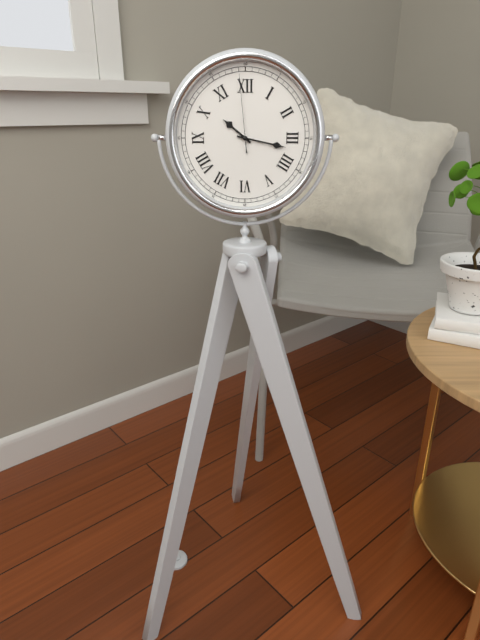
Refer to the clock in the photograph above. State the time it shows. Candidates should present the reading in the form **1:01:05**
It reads **10:17:59**
